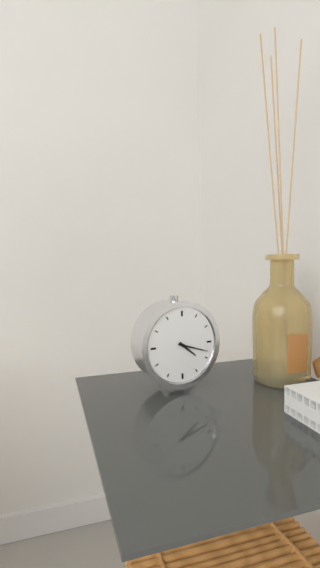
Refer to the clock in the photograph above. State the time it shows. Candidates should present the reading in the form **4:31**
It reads **4:18**
